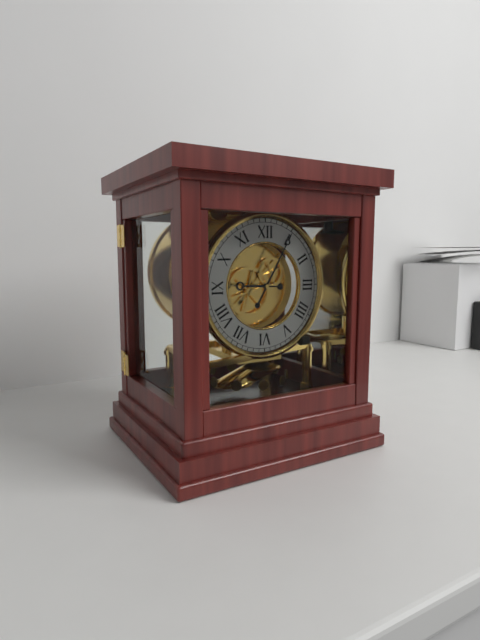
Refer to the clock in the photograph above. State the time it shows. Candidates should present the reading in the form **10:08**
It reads **9:05**
